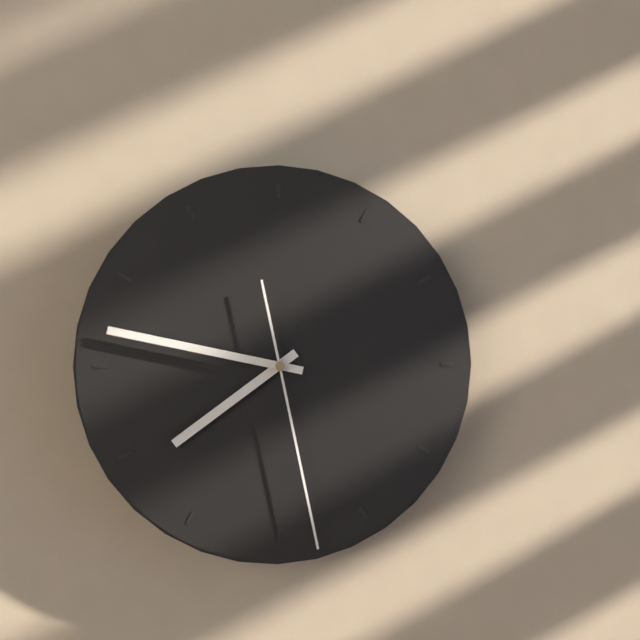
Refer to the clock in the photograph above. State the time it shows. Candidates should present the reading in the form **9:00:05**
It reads **7:47:28**
